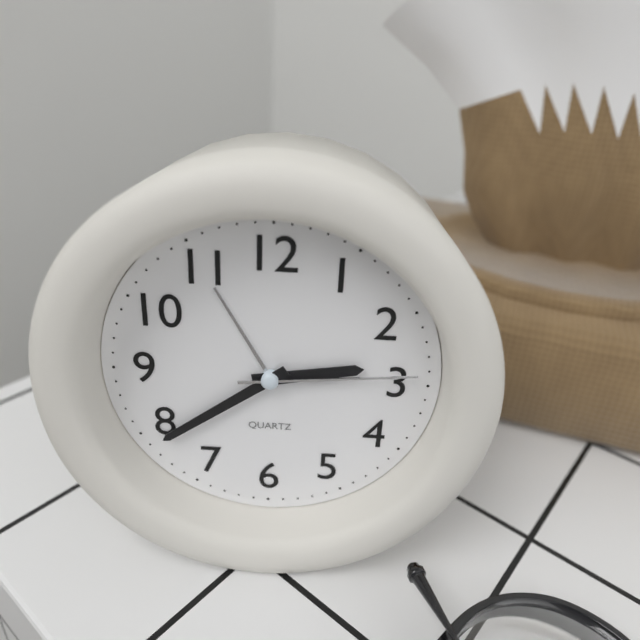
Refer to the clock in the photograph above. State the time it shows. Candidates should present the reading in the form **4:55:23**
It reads **2:39:14**
